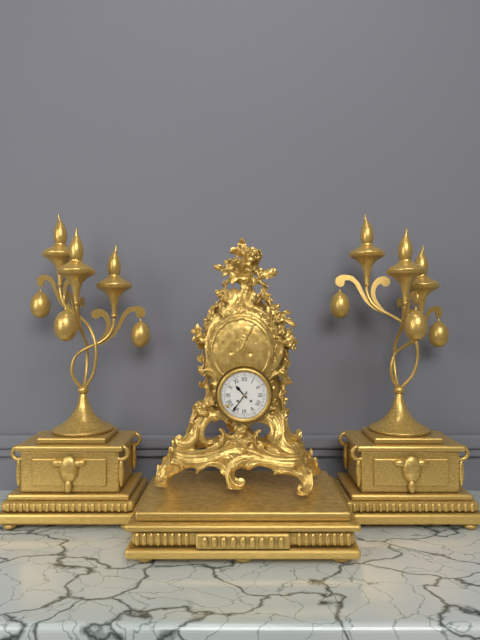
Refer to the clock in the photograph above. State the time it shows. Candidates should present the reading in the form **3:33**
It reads **10:36**
